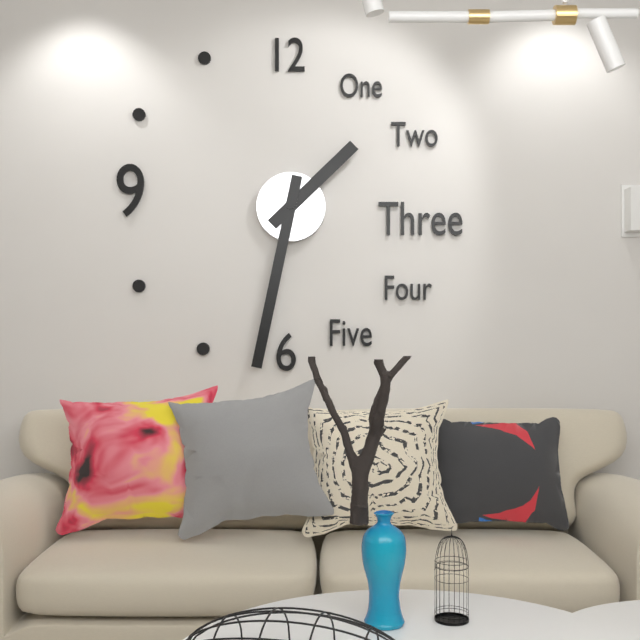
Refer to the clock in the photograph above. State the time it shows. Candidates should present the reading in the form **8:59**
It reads **1:32**
